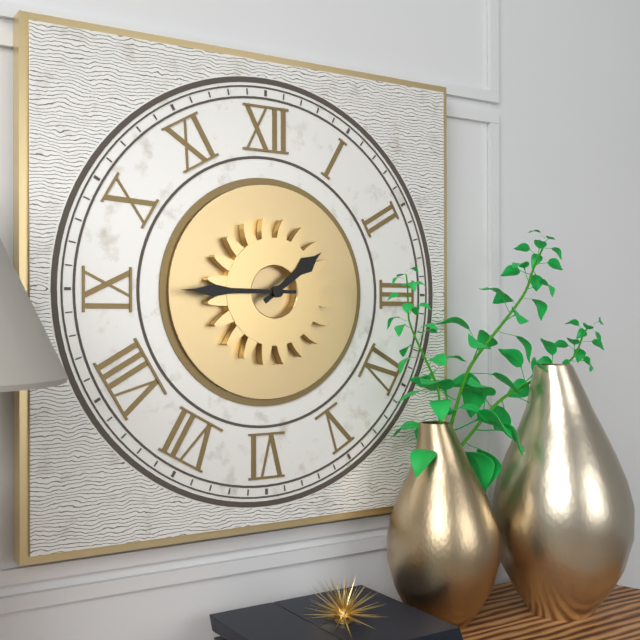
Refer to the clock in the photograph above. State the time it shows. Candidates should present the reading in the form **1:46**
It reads **1:45**
